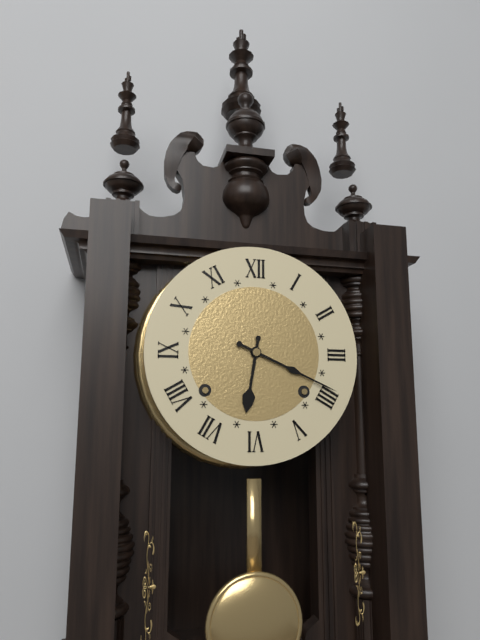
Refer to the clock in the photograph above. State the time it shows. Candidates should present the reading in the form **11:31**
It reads **6:19**
